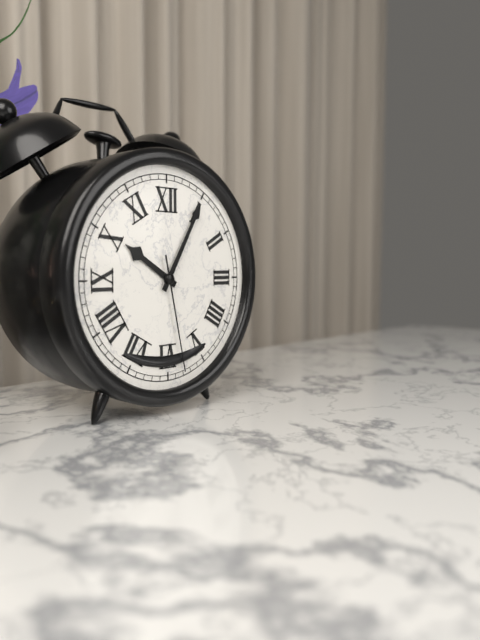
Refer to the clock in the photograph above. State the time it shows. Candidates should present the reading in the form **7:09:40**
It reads **10:05:28**
